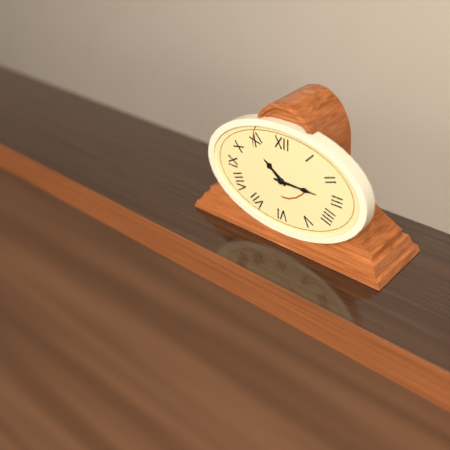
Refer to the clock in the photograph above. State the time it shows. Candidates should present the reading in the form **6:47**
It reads **10:15**
